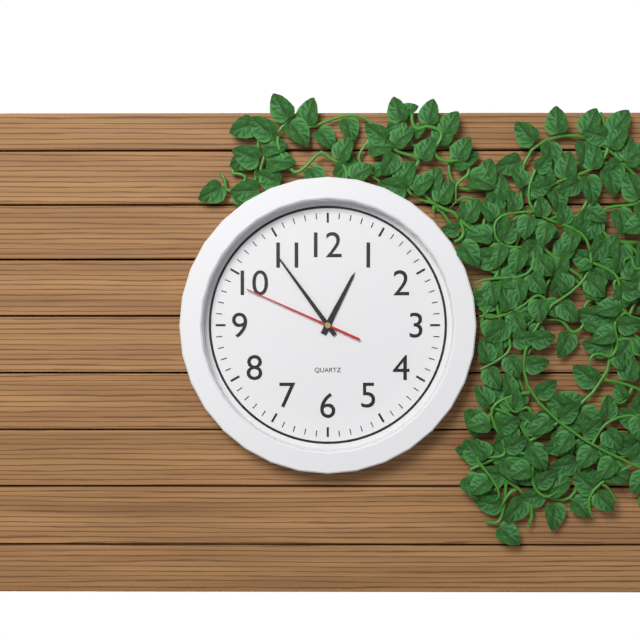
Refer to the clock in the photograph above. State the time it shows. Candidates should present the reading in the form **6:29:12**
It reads **12:54:49**
